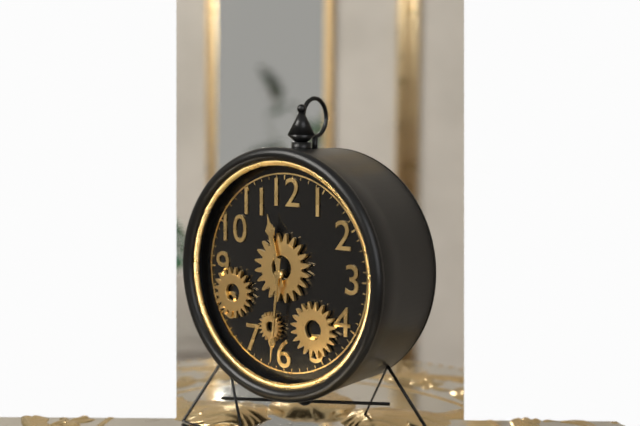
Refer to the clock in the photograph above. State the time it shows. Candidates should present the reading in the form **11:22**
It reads **11:31**
